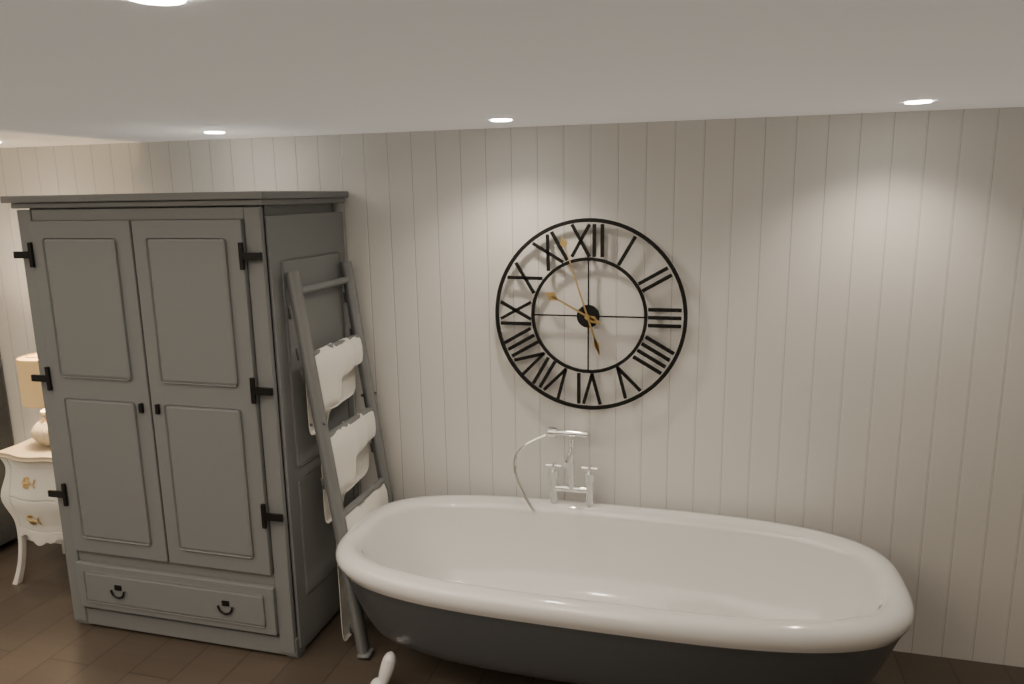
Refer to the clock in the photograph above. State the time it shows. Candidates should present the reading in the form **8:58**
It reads **9:57**
